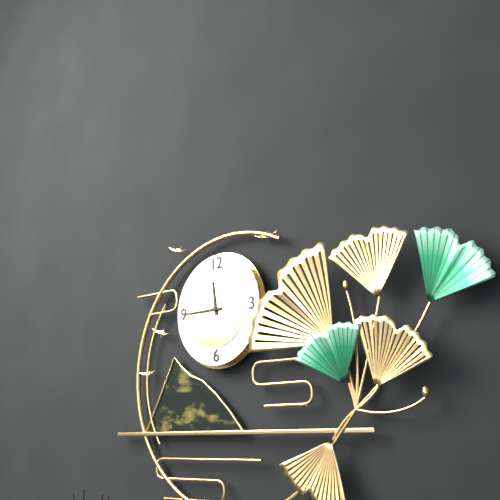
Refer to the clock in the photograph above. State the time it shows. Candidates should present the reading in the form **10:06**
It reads **11:45**
